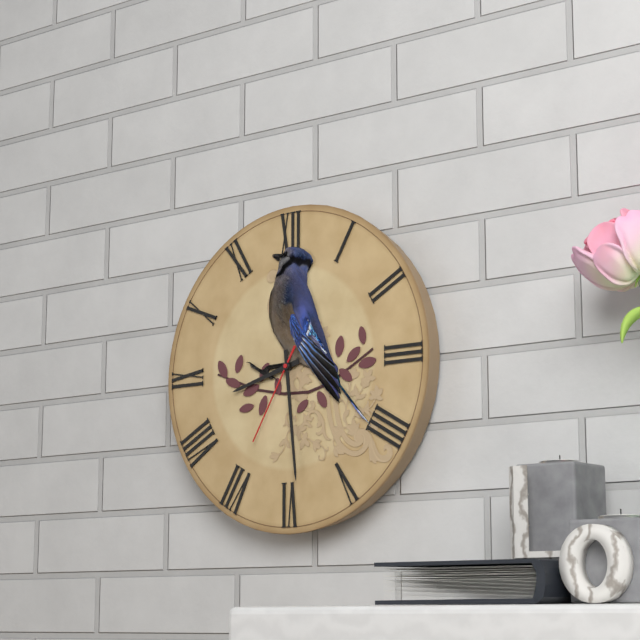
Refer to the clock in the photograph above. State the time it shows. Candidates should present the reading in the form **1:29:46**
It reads **8:29:35**
